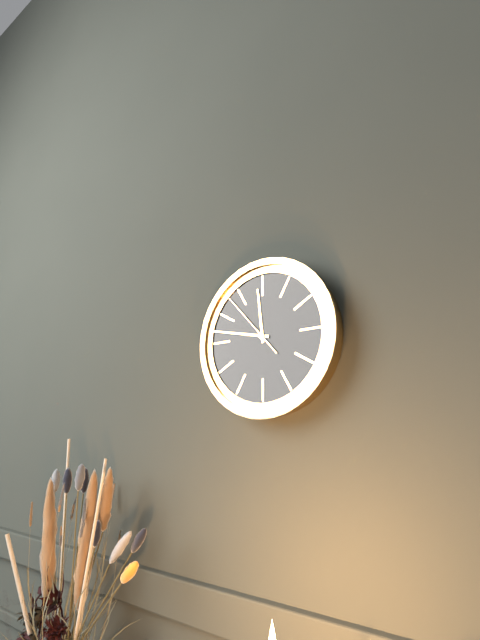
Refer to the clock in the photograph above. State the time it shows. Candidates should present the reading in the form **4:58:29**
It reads **11:47:53**
